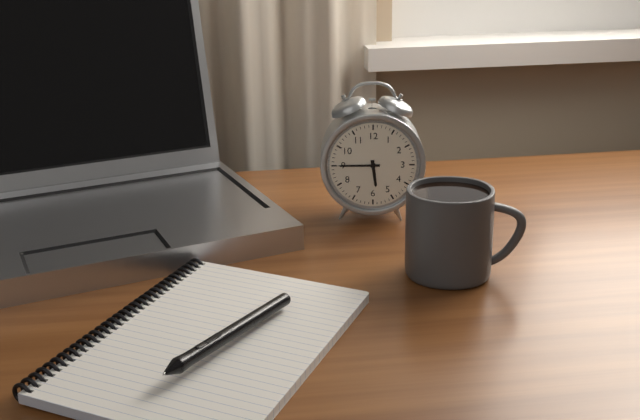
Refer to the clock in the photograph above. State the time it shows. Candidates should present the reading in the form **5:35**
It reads **5:45**
